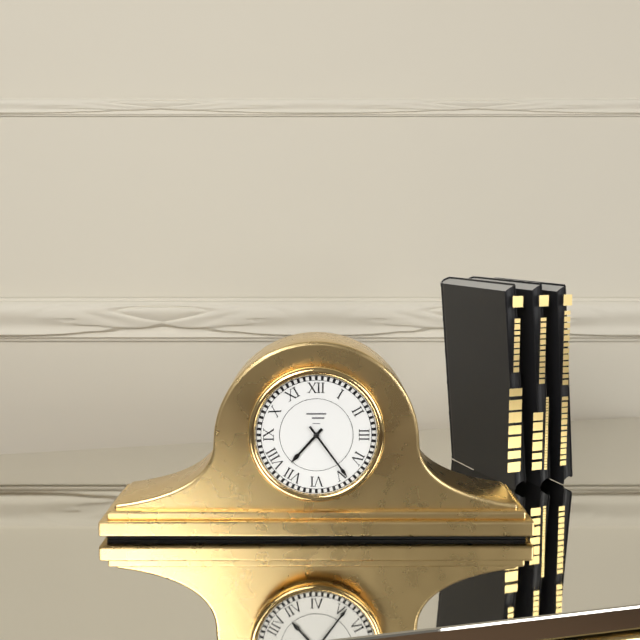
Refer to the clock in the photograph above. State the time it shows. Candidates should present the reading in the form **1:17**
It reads **7:24**
